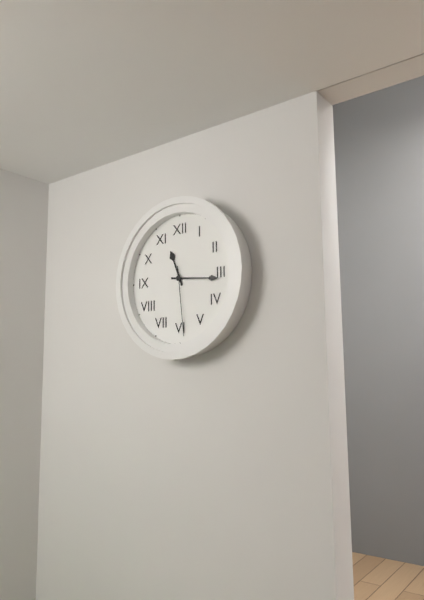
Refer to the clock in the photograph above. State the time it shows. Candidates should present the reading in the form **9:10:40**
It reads **11:16:29**
